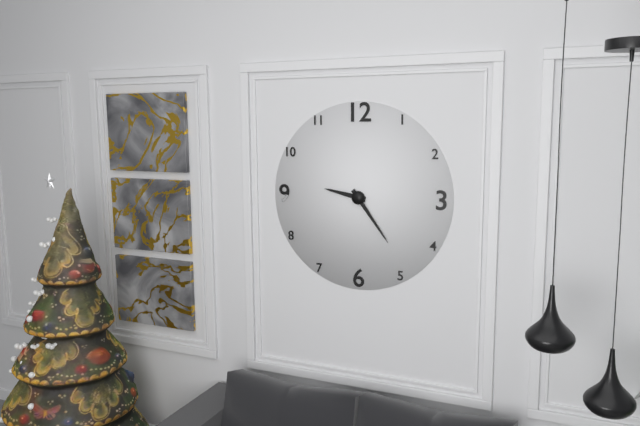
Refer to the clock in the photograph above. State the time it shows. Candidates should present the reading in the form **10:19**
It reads **9:24**
